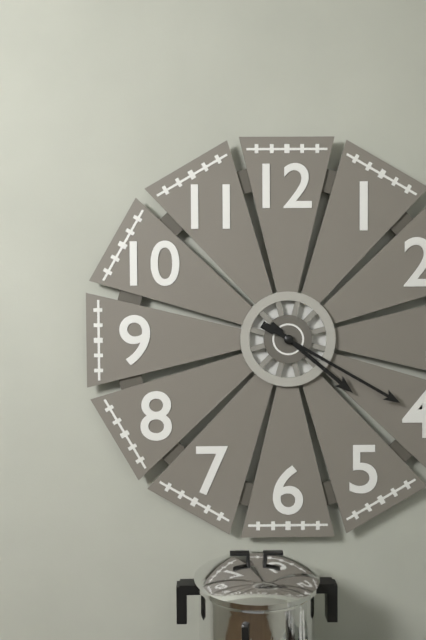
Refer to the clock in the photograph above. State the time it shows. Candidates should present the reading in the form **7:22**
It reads **4:20**
